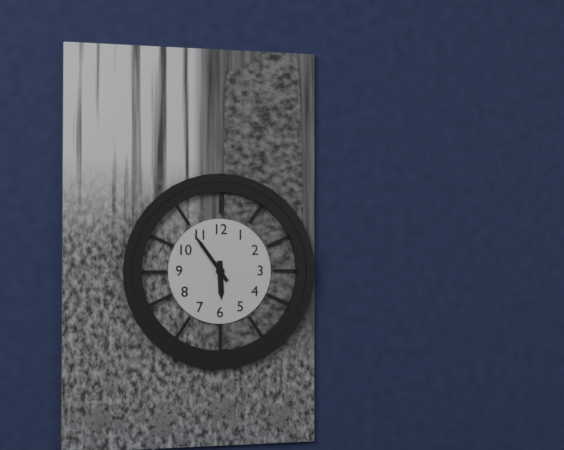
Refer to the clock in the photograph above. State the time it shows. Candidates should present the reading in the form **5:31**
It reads **5:54**
